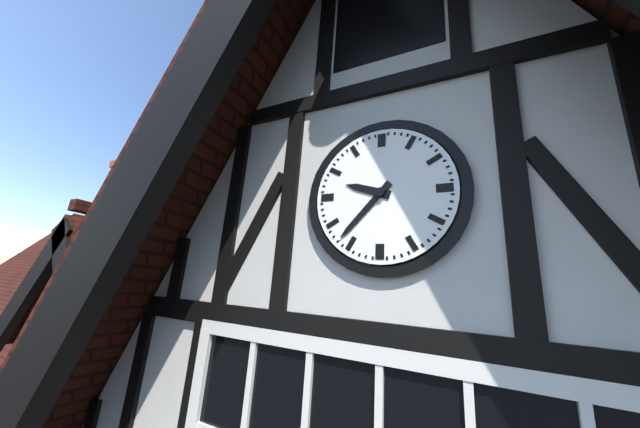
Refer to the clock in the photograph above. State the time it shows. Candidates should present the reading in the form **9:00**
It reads **9:37**
